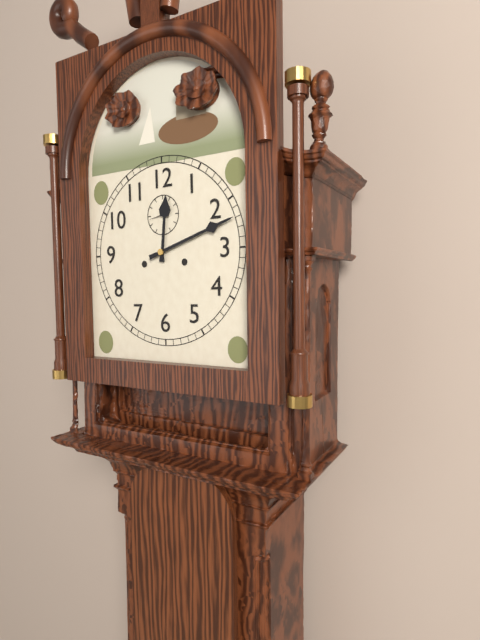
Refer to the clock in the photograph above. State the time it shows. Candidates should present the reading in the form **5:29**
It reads **12:12**
